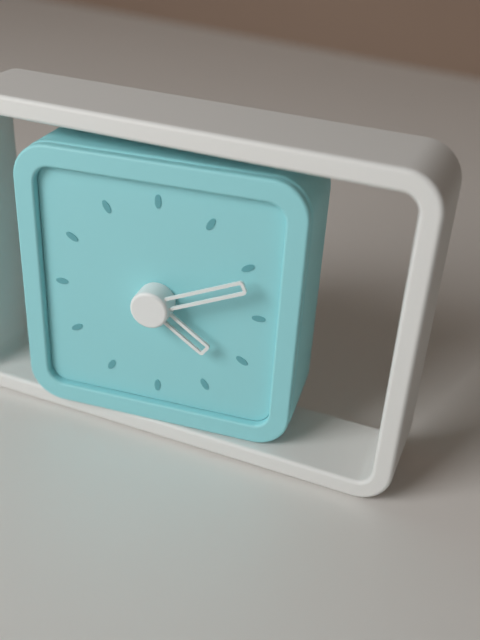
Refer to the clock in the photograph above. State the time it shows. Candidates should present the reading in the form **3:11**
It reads **4:11**
